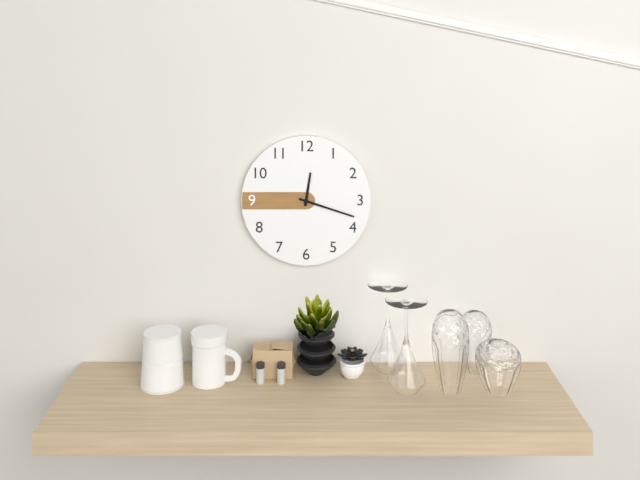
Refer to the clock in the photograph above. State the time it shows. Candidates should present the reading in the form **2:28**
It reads **12:18**
